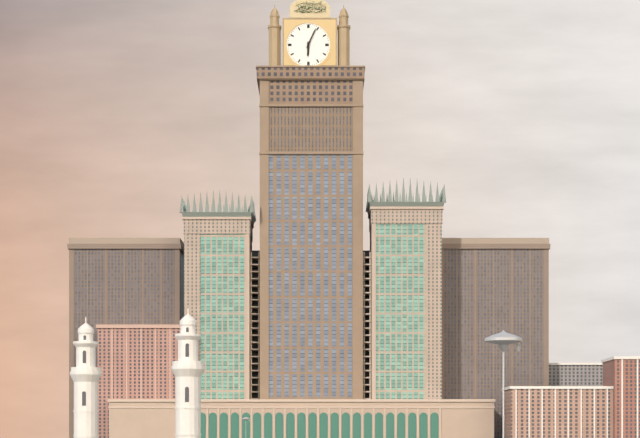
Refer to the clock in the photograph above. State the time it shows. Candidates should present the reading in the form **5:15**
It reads **6:04**
